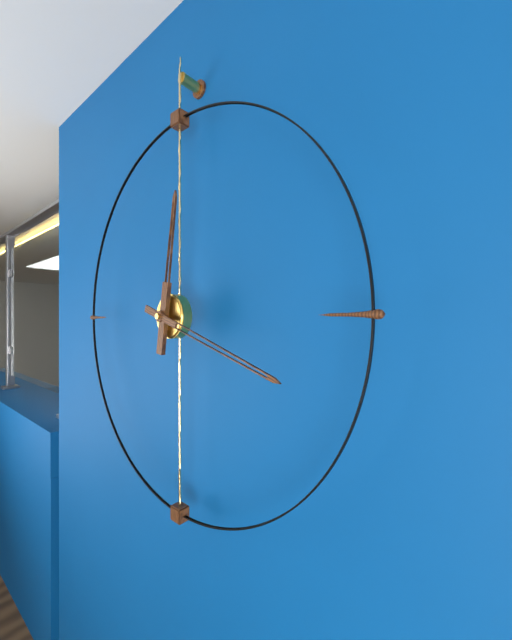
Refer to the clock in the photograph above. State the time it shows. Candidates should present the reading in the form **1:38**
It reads **12:18**
